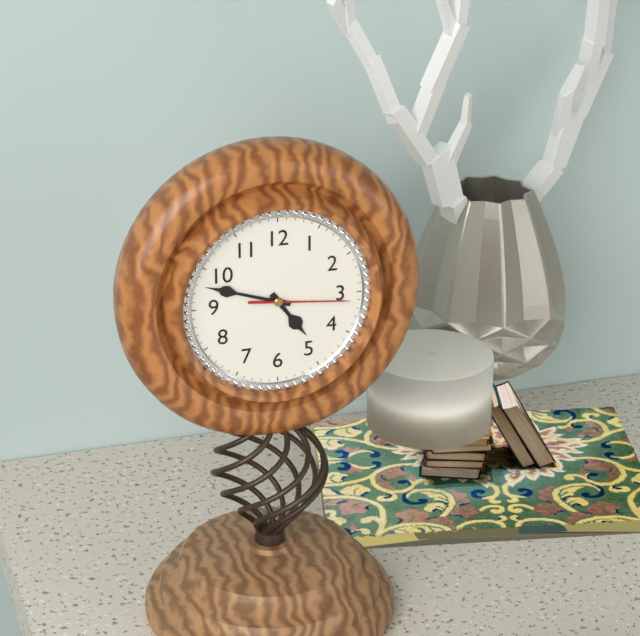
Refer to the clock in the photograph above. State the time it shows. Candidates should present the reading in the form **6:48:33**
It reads **4:48:16**
